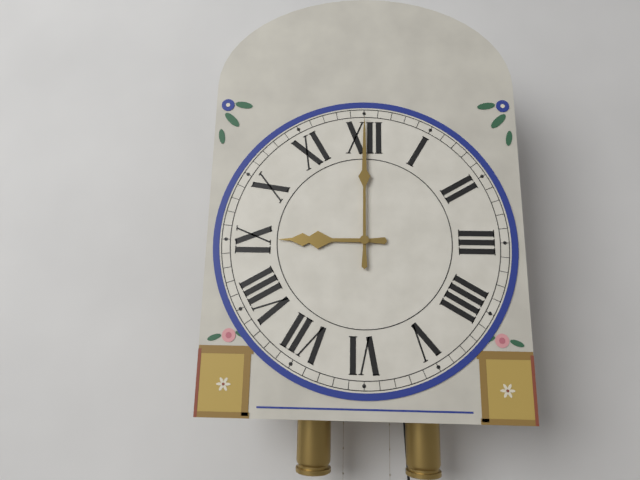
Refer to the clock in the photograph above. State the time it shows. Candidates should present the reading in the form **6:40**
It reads **9:00**
